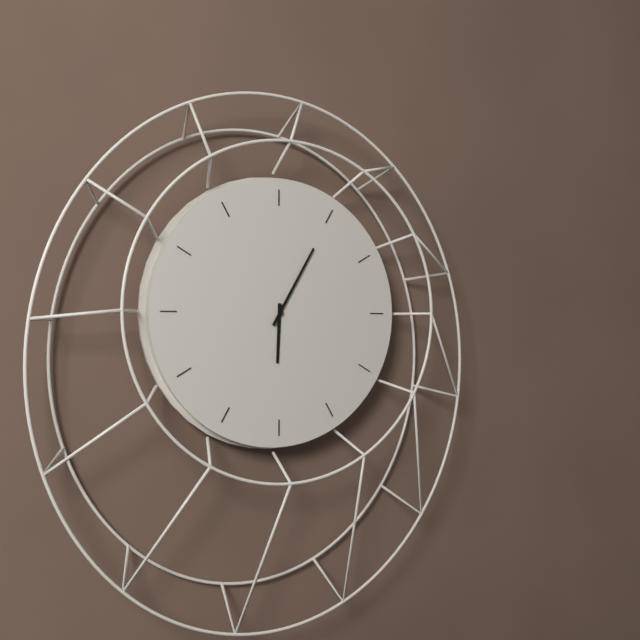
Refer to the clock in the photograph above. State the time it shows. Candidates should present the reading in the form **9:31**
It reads **6:05**
